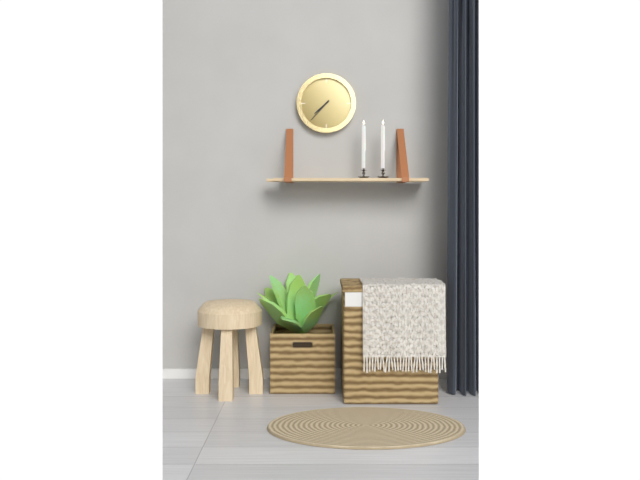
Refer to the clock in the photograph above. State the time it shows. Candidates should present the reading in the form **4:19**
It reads **7:37**
